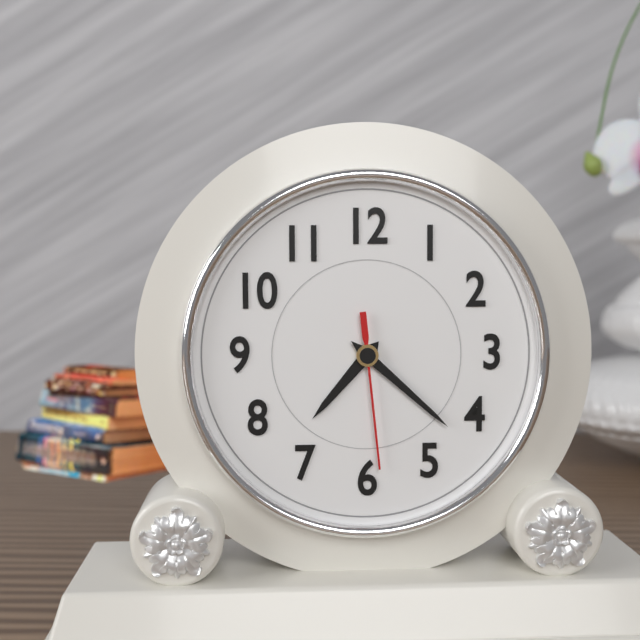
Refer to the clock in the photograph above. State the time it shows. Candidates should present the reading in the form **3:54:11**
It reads **7:22:29**
